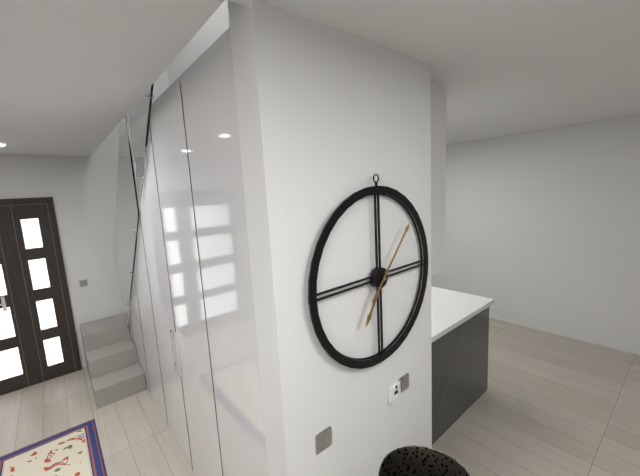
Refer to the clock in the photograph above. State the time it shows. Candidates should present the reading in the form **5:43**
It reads **7:07**
